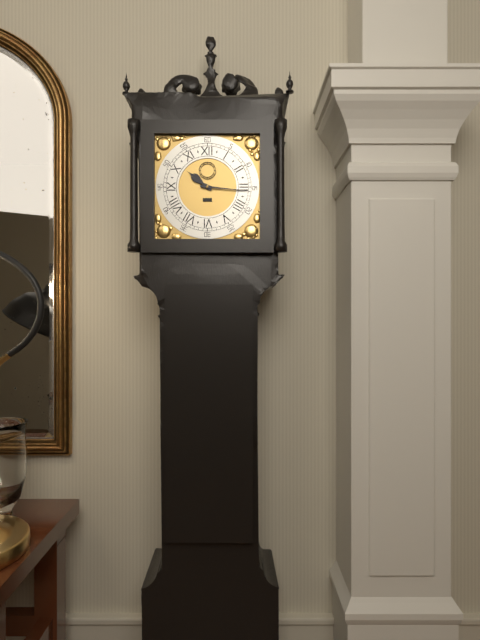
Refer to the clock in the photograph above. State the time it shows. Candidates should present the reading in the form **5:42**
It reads **10:16**
